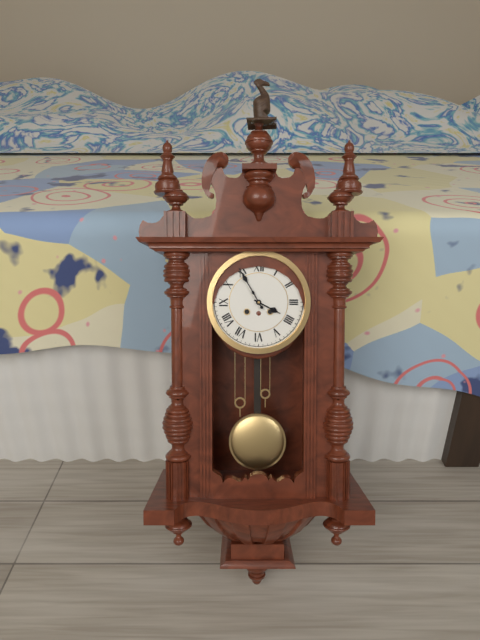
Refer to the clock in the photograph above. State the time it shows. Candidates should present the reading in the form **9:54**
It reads **3:55**
